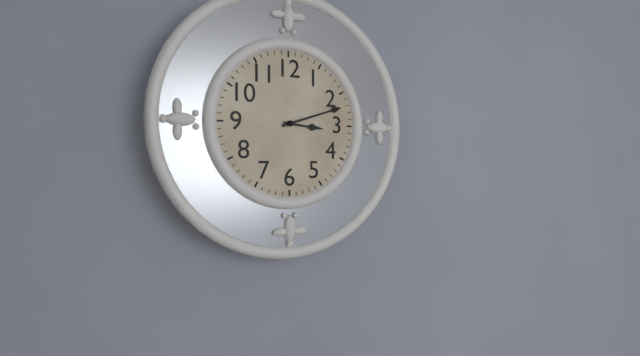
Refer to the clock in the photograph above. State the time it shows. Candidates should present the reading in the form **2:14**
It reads **3:12**
